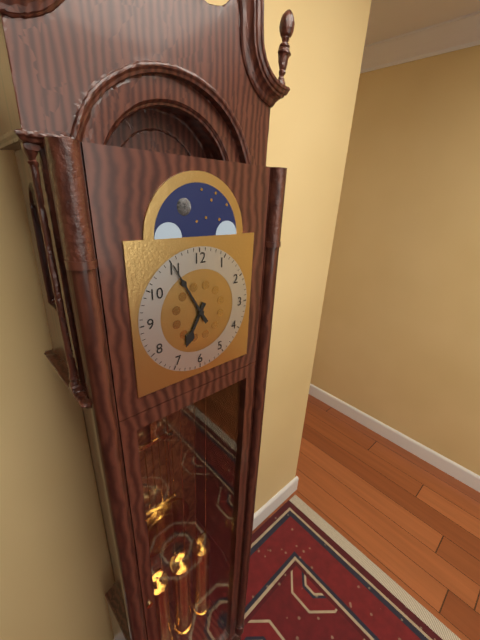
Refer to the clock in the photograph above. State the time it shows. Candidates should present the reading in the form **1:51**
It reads **6:55**
